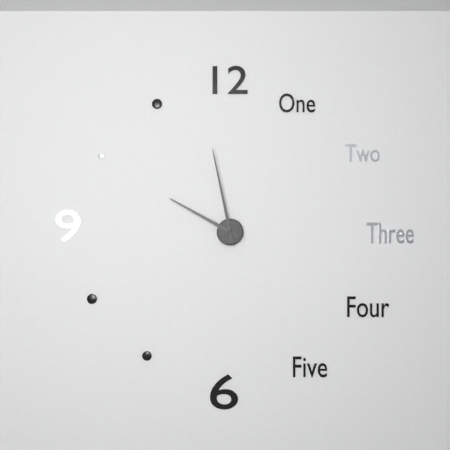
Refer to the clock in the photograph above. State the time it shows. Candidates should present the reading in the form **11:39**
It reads **9:58**
